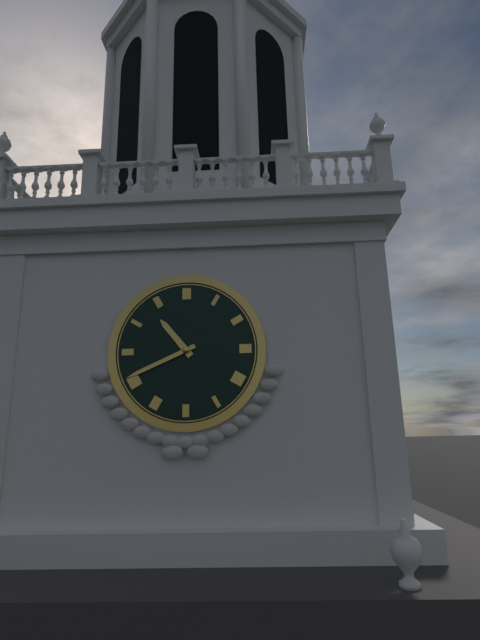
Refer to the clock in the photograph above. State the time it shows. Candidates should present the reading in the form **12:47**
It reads **10:41**
